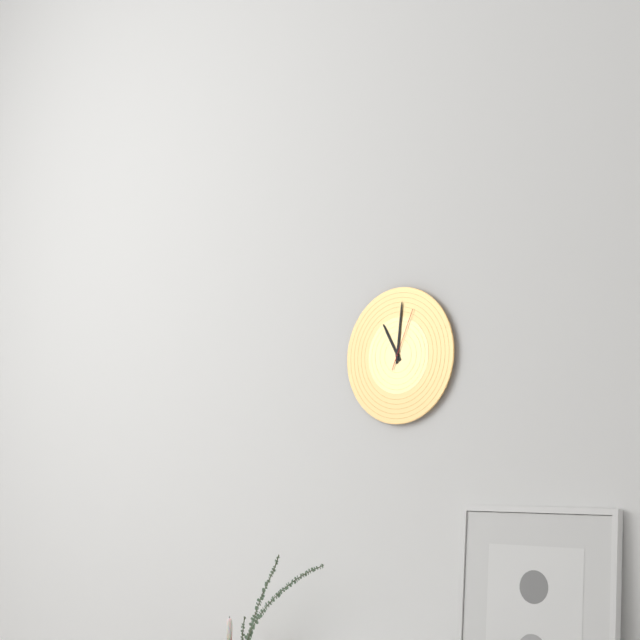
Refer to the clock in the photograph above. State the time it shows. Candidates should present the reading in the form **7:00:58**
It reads **11:01:04**
